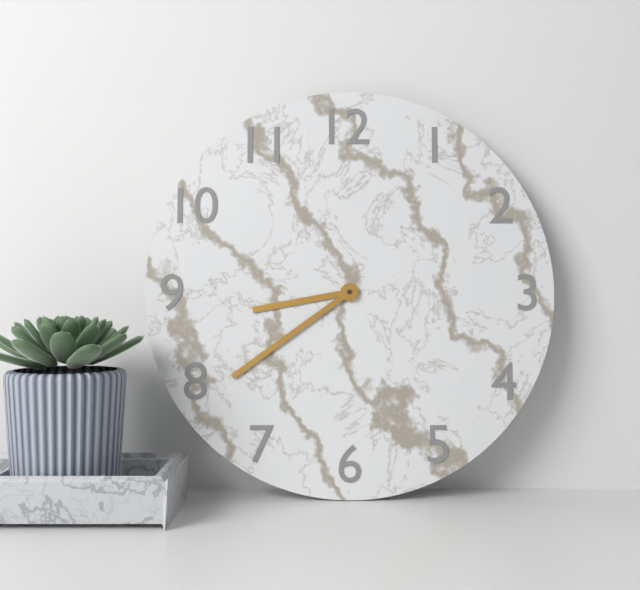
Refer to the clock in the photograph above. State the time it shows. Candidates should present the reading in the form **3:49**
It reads **8:39**
